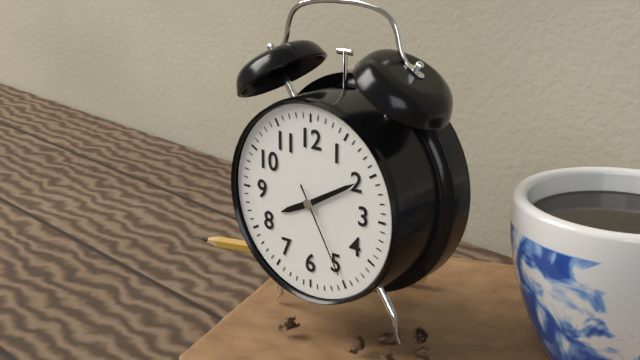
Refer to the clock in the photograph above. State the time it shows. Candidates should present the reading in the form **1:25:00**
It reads **8:10:25**
